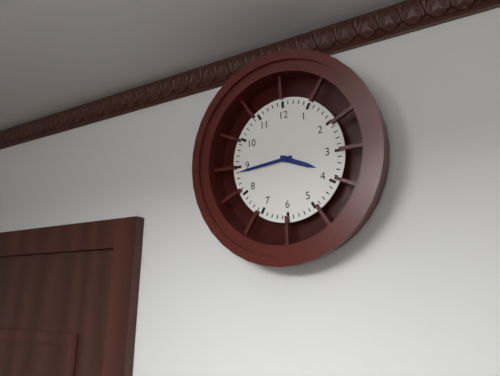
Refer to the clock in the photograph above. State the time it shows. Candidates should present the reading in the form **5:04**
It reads **3:44**
